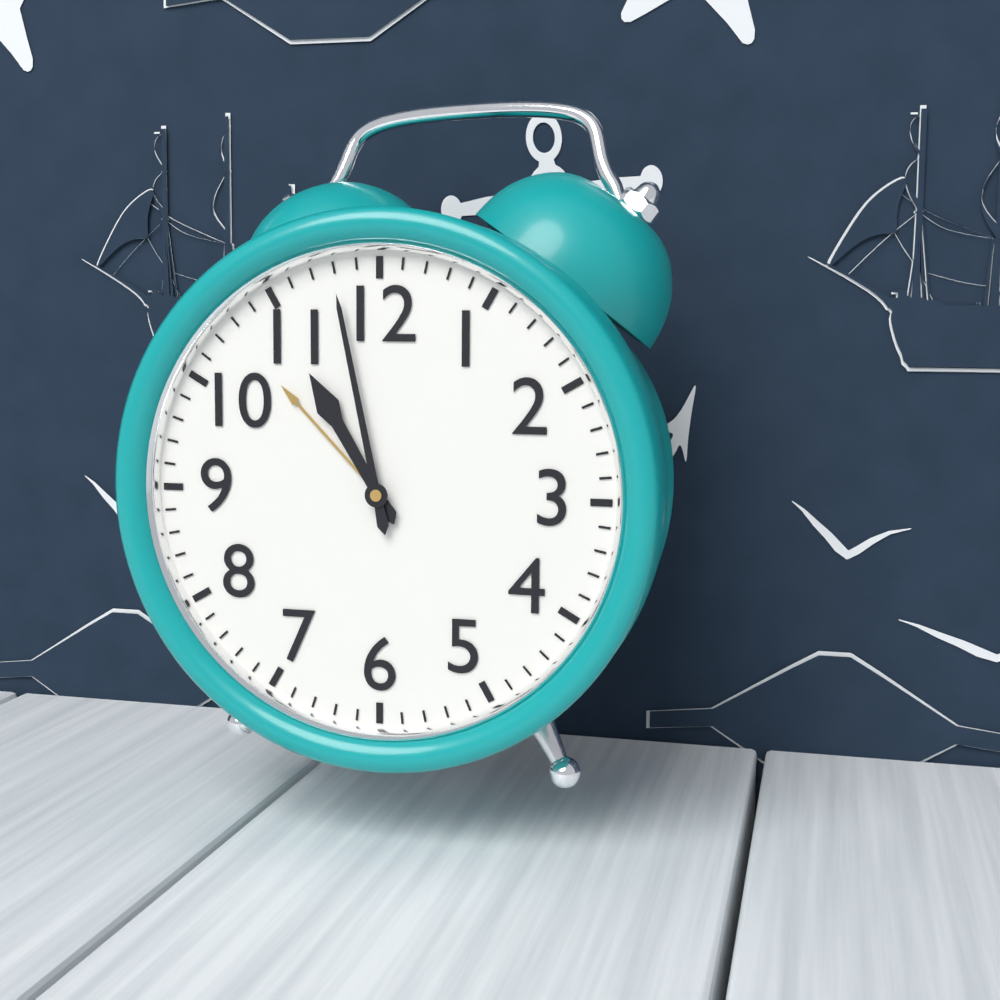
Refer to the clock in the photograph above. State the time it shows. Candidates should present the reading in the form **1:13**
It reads **10:58**
